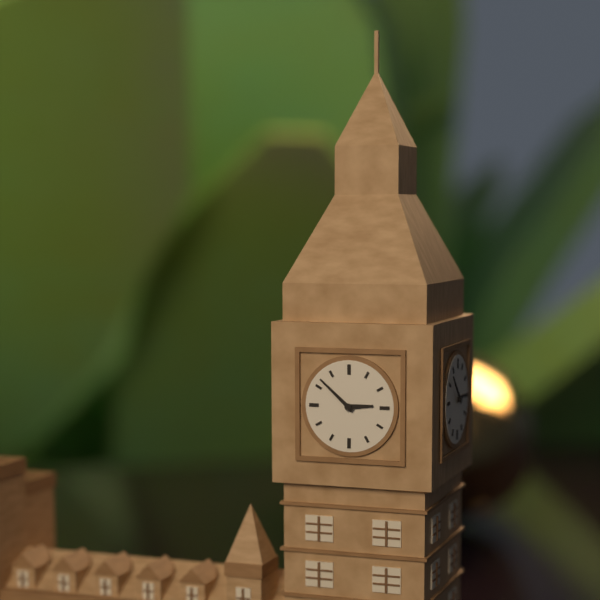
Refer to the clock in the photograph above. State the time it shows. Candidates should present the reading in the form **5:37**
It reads **2:52**
